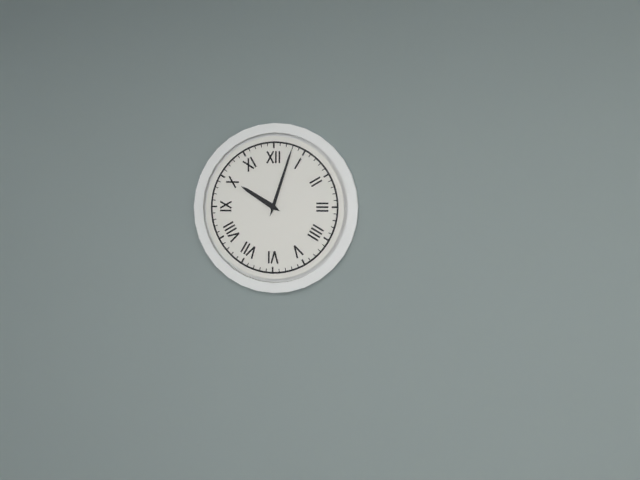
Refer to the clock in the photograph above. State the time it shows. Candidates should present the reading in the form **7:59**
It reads **10:03**
